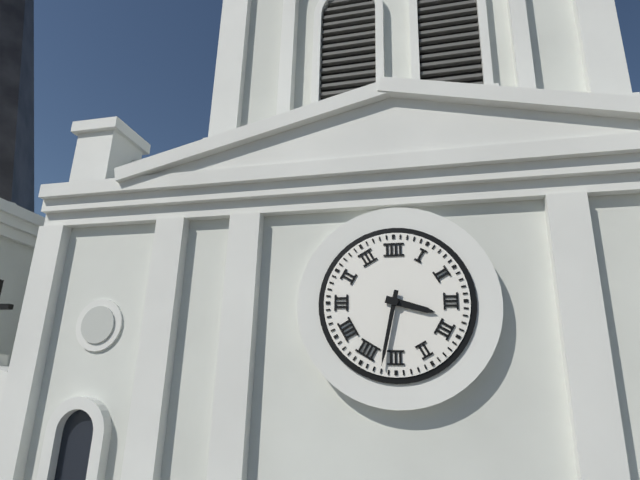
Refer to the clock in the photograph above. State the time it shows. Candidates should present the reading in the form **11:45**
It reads **3:32**
